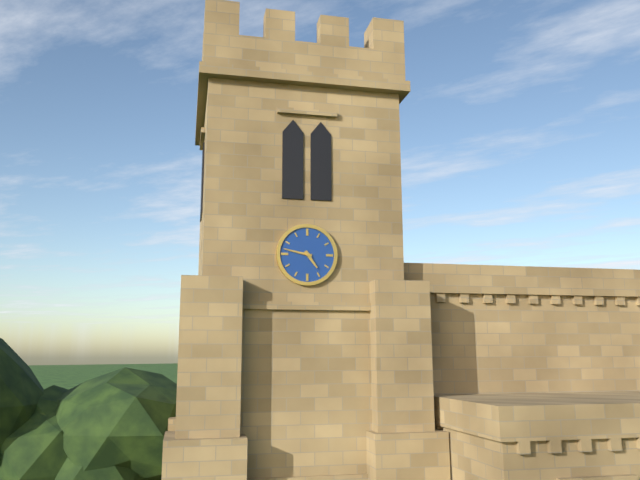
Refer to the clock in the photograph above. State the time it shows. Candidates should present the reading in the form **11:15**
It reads **4:47**
